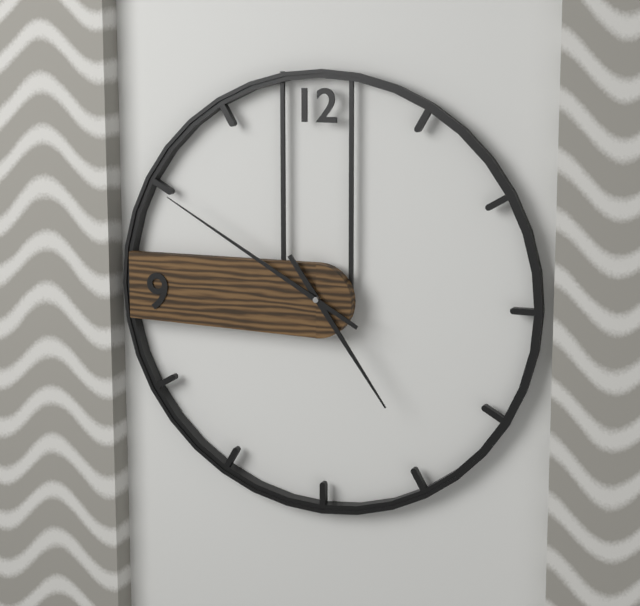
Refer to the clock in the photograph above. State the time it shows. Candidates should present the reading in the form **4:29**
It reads **4:50**
